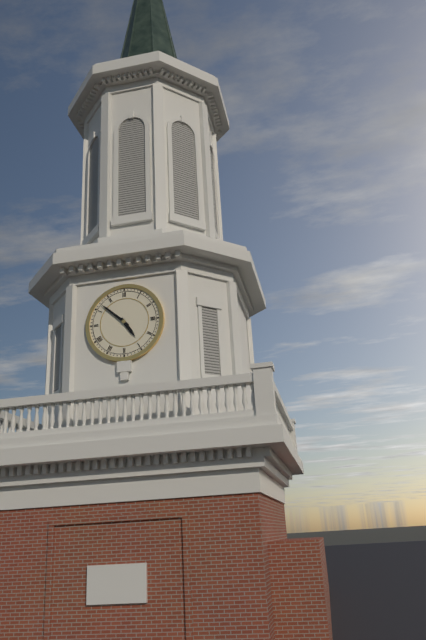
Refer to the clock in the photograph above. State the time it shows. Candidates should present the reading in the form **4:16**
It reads **4:52**
